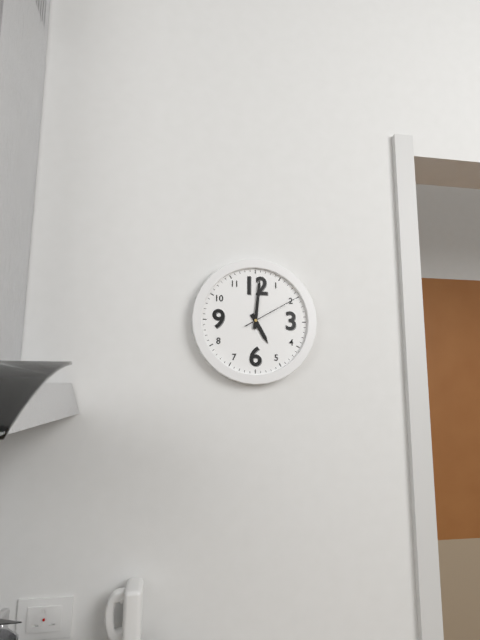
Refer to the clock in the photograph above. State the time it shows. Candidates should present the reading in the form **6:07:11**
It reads **5:01:10**
